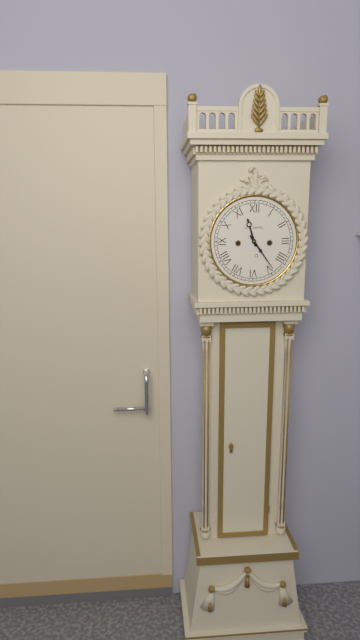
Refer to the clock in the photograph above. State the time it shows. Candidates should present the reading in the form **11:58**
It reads **11:24**
